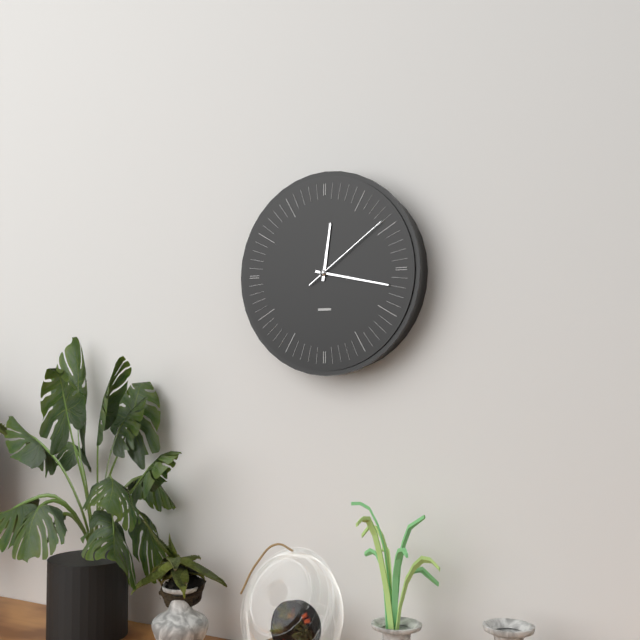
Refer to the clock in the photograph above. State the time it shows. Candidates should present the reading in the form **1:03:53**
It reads **12:17:09**
